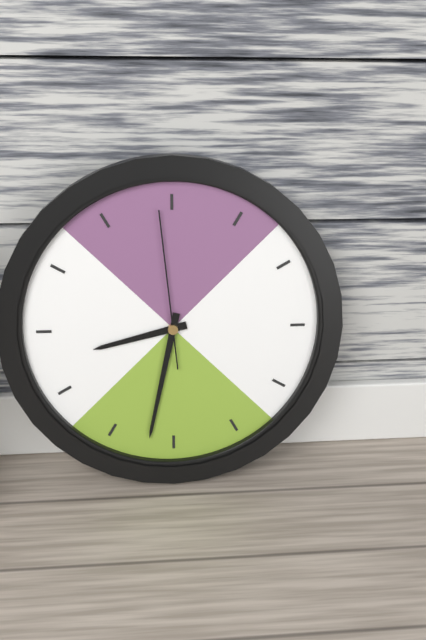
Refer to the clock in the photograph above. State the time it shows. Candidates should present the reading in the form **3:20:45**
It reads **8:32:59**
